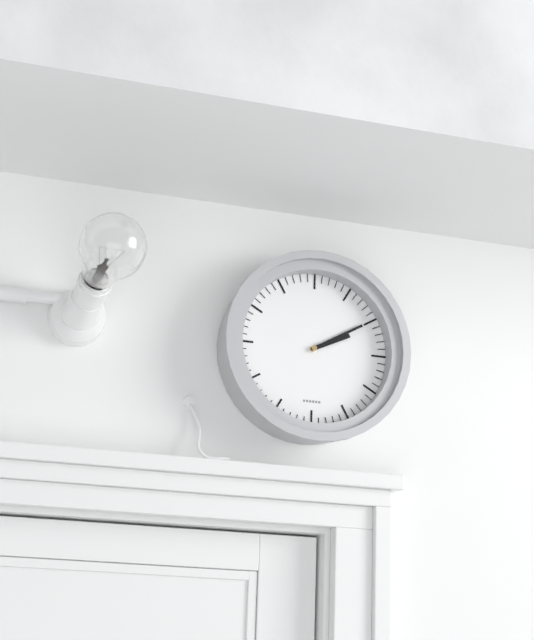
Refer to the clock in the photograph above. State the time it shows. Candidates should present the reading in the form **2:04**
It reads **2:10**
